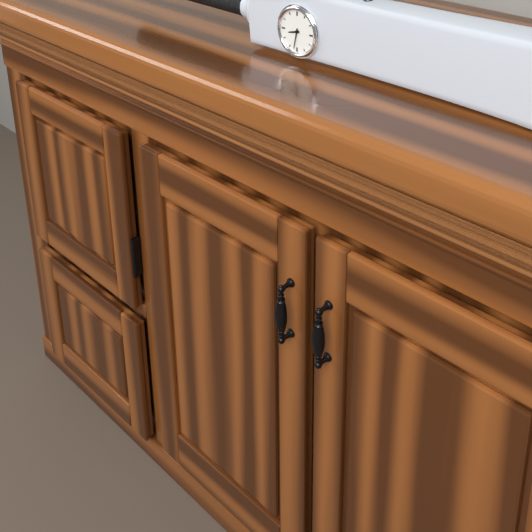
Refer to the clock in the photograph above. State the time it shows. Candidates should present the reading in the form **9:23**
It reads **8:32**
